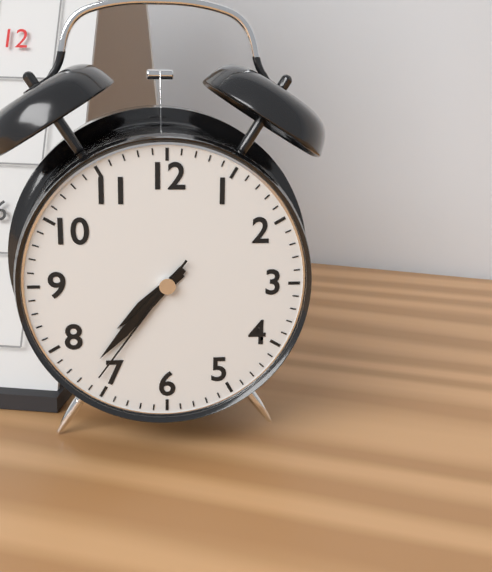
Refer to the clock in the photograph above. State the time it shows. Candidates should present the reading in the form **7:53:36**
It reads **7:37:36**
